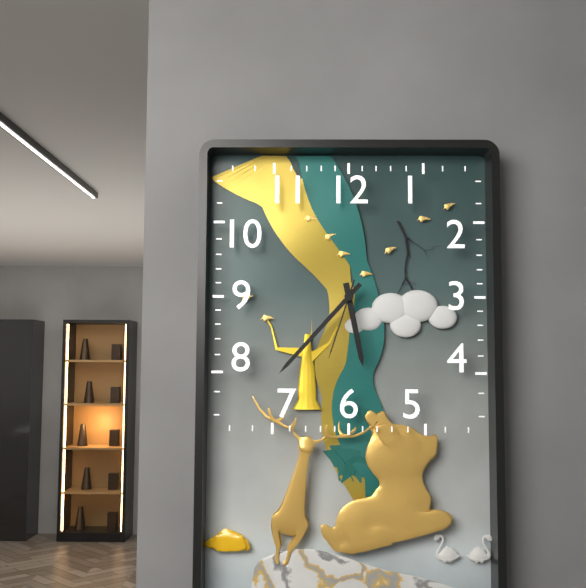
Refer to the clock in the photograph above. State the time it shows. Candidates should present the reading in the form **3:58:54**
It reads **5:37:33**
